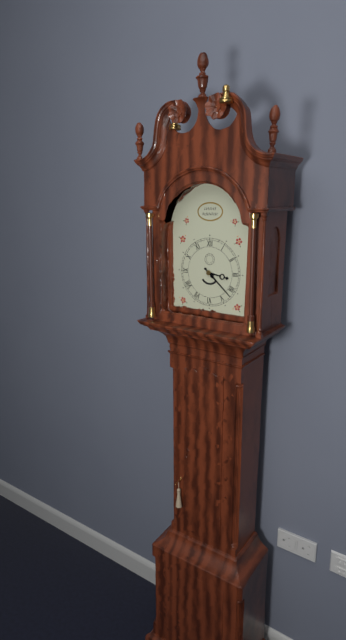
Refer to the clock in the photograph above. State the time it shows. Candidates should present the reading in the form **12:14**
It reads **3:22**
